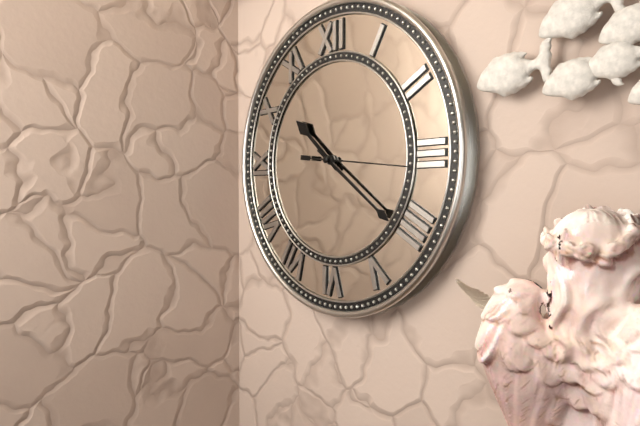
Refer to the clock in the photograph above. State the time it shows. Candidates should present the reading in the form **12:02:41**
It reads **10:21:16**
